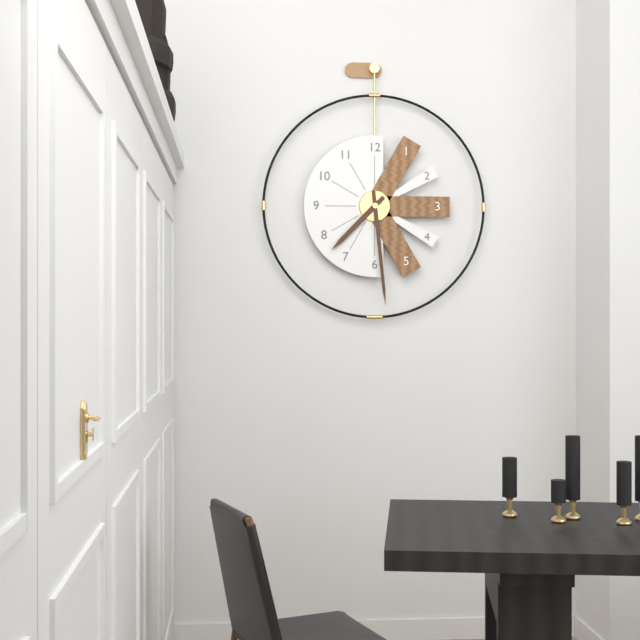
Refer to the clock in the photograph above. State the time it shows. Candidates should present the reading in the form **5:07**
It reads **7:29**
